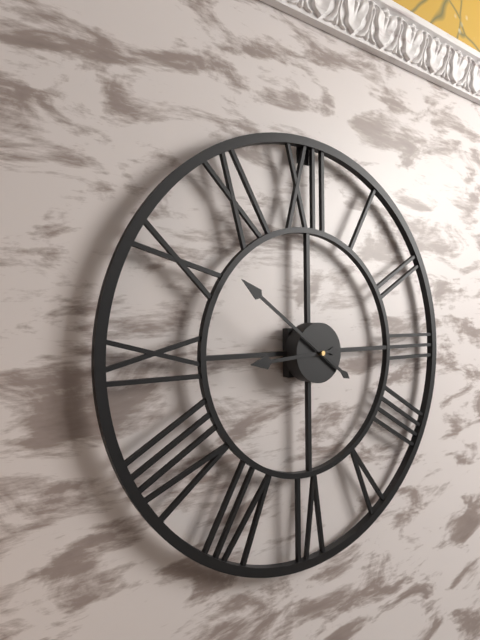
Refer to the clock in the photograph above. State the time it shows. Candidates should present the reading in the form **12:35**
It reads **8:51**
